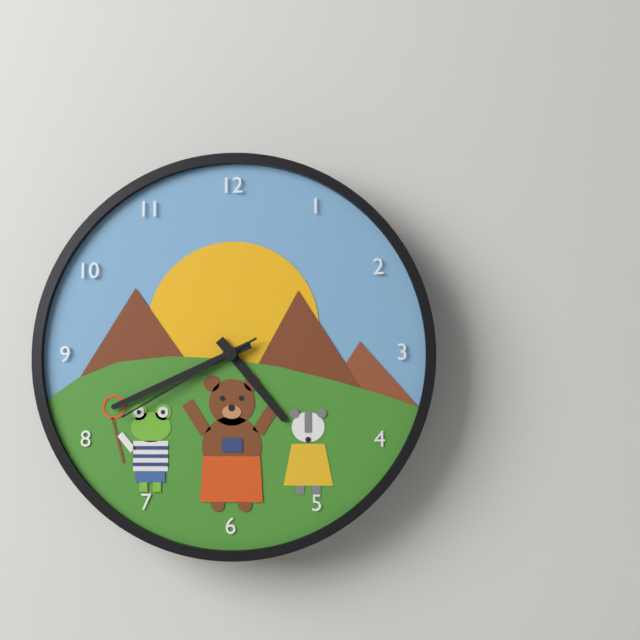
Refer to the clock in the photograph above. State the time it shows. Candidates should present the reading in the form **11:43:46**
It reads **4:41:40**
